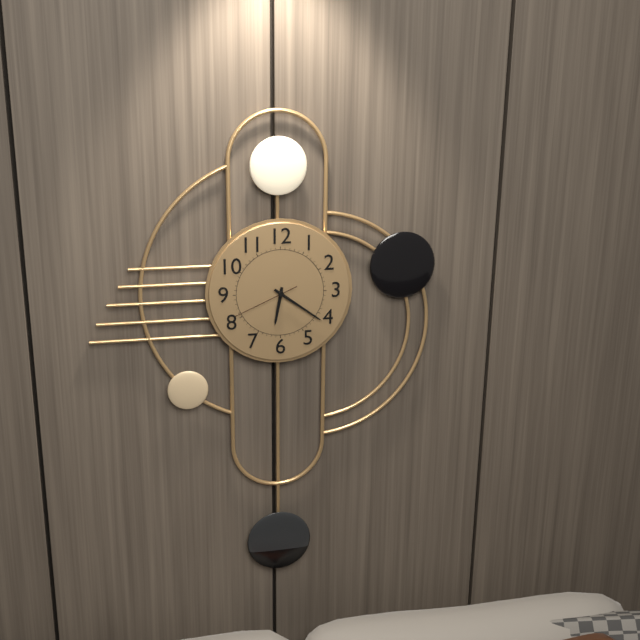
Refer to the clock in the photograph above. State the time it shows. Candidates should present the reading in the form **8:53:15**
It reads **6:21:41**
